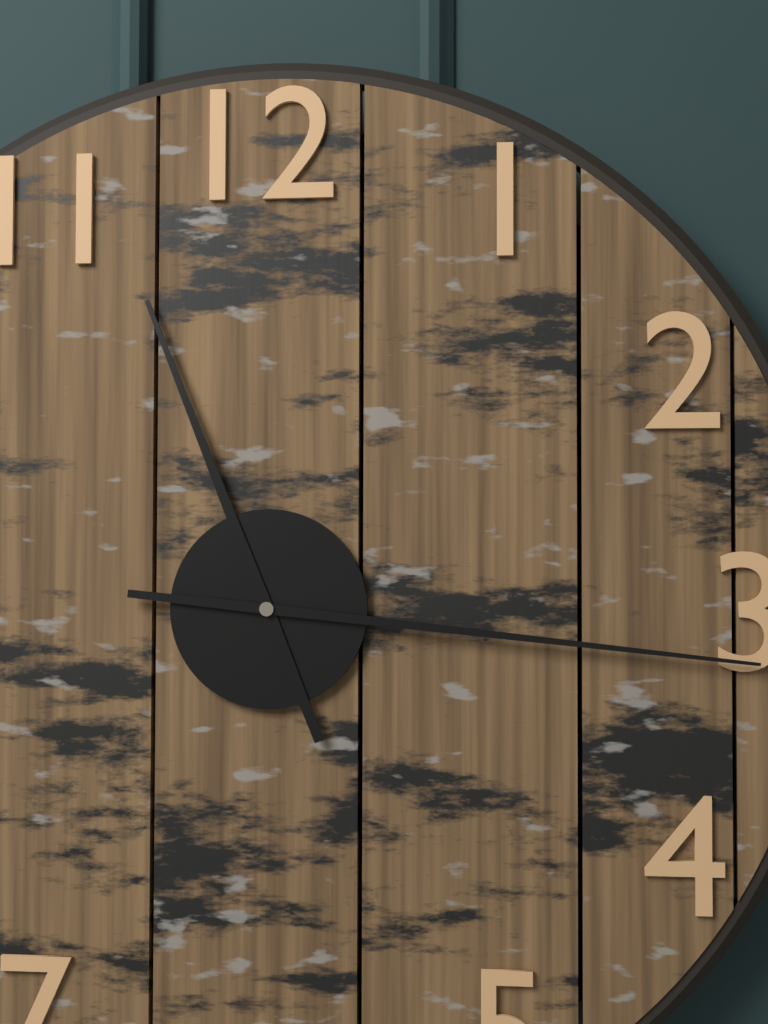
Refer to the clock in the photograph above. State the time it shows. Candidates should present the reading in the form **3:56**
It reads **11:16**
